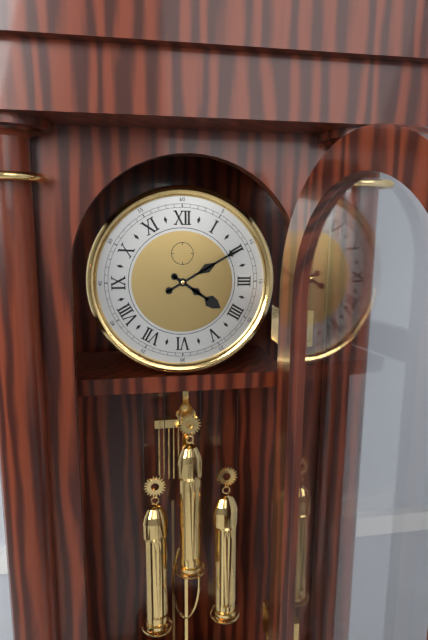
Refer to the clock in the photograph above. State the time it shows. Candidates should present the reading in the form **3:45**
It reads **4:10**
